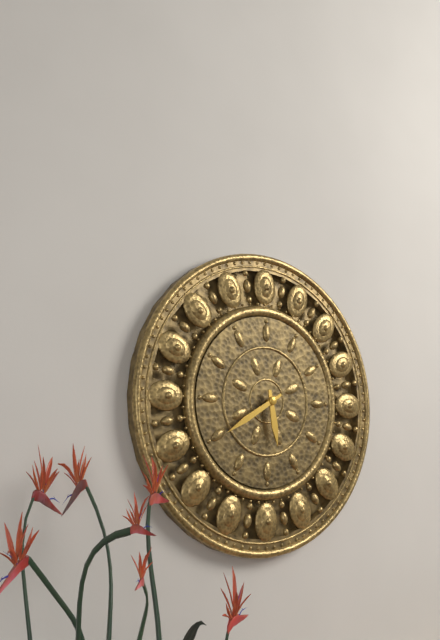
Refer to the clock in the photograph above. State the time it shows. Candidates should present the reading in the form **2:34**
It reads **5:40**
